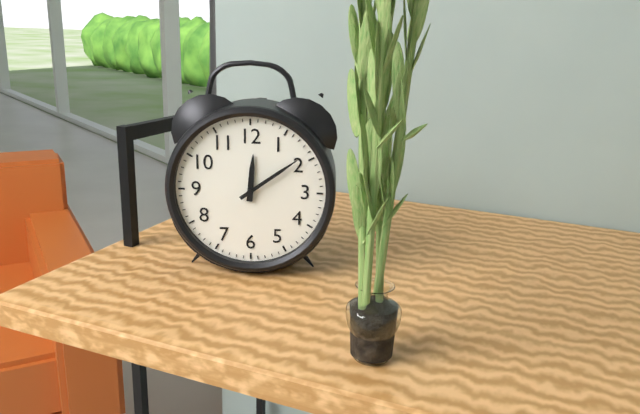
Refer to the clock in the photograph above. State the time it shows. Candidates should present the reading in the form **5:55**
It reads **12:09**
